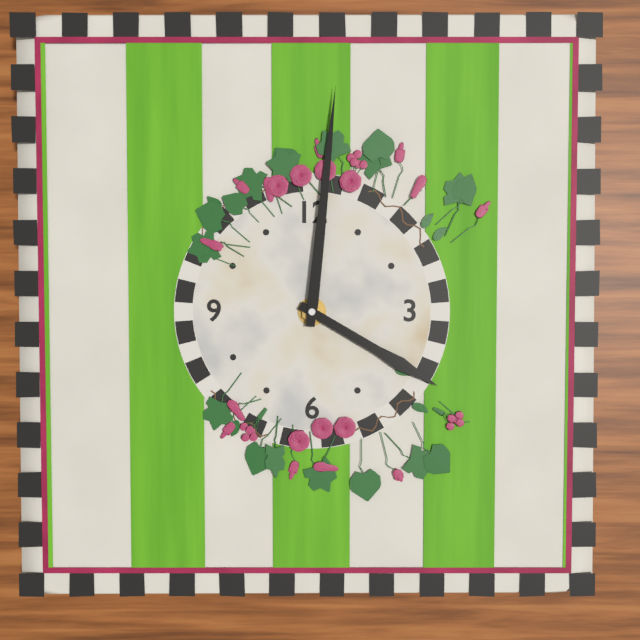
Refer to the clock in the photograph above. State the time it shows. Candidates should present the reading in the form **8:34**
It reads **4:01**
